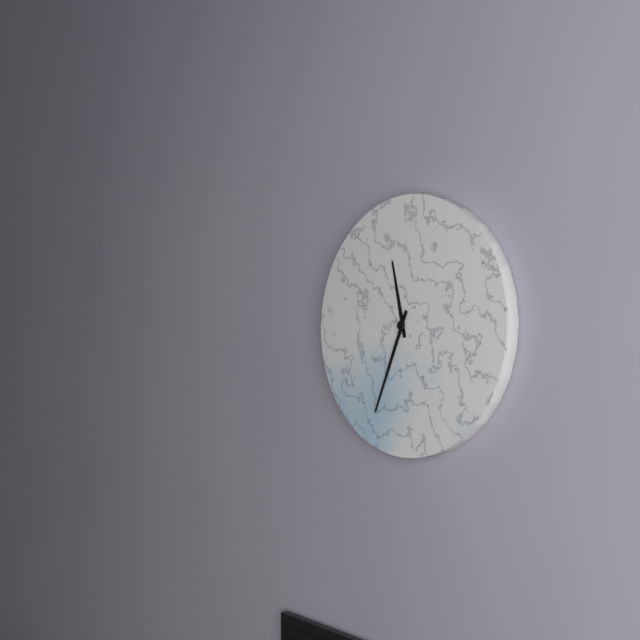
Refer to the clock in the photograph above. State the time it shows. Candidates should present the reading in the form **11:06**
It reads **11:34**
